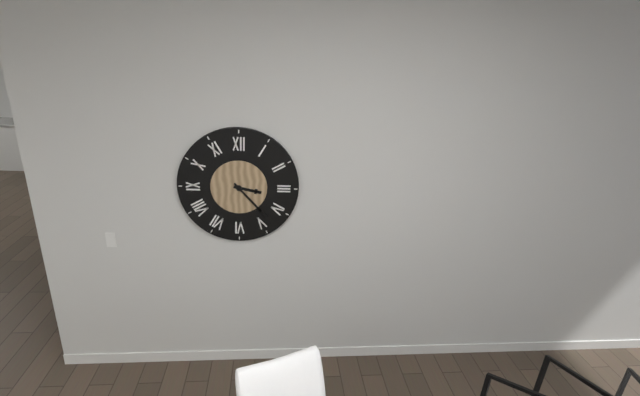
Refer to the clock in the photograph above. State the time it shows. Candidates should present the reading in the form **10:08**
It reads **3:23**
